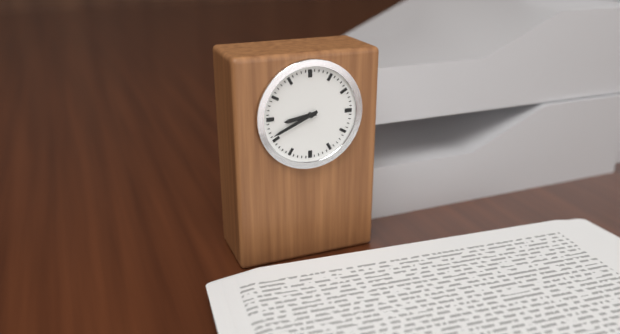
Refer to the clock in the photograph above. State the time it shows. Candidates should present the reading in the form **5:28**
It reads **8:41**
